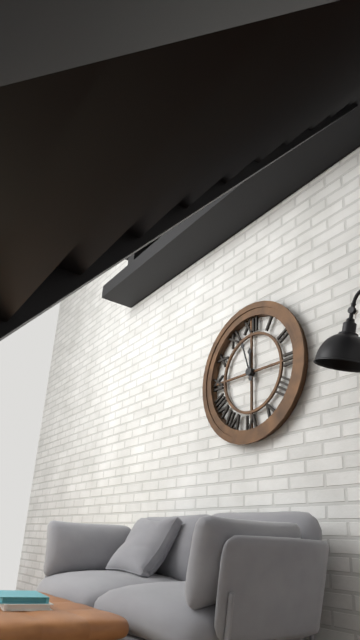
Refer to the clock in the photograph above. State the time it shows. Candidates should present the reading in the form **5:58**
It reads **11:57**
